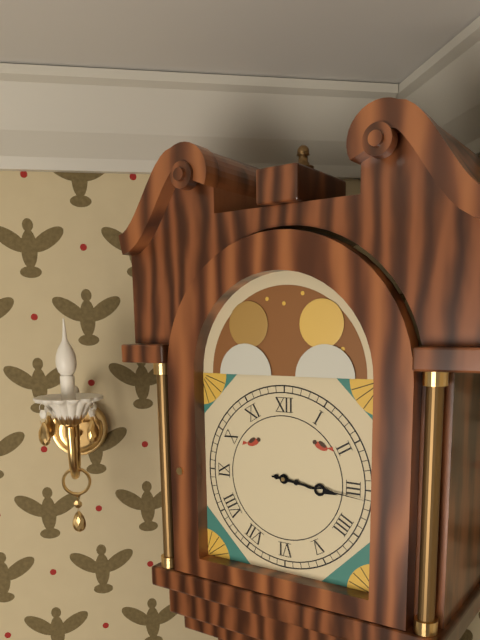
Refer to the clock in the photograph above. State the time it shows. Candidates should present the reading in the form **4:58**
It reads **3:16**
